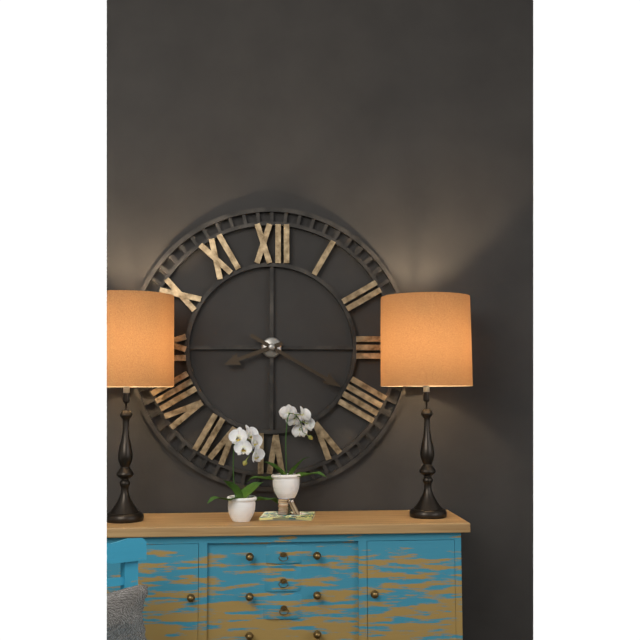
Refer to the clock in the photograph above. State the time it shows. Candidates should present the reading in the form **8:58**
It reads **8:20**
